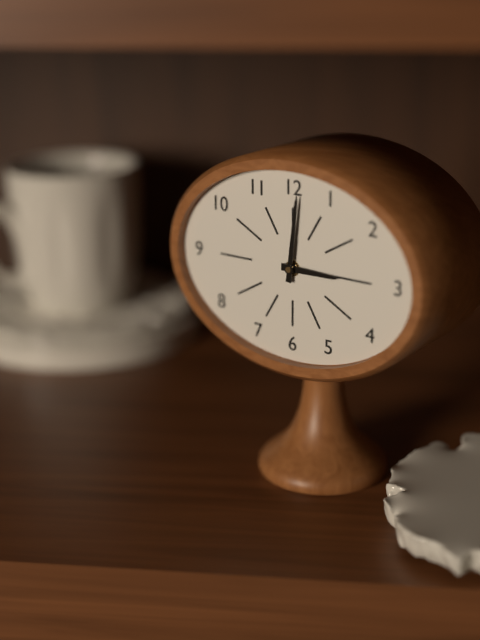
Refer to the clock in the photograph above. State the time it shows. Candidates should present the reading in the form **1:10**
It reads **3:01**
